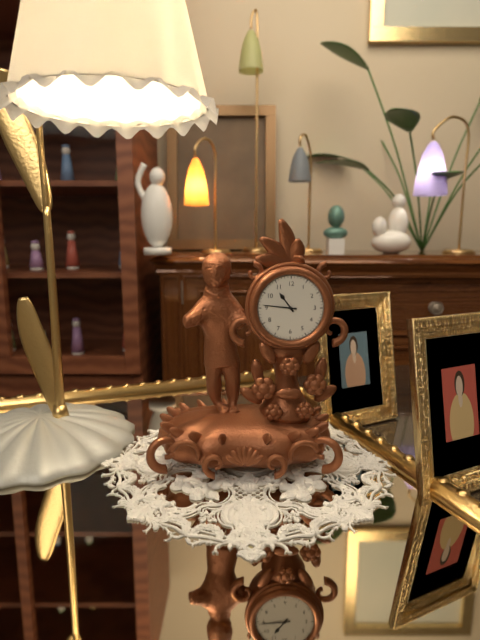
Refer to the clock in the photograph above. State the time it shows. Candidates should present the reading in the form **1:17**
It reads **10:46**
